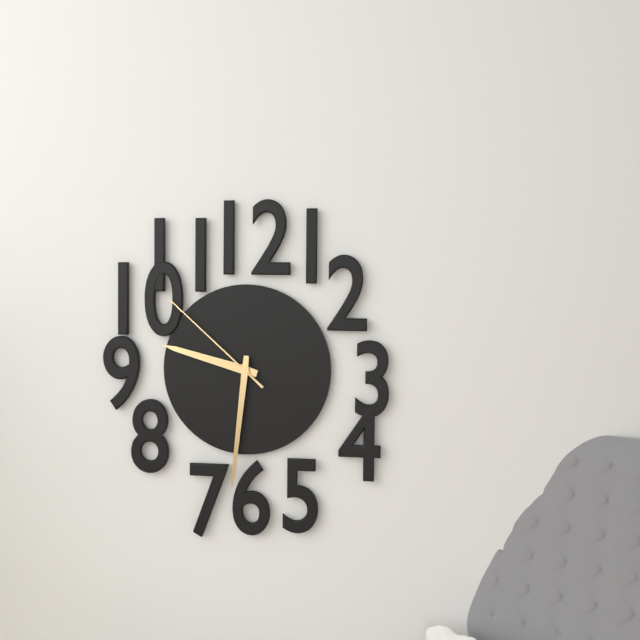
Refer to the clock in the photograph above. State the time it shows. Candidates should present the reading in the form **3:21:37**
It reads **9:31:52**
